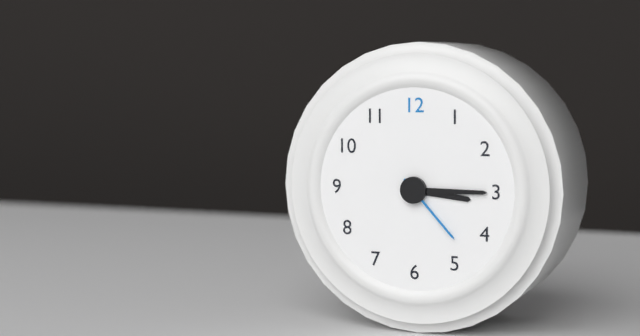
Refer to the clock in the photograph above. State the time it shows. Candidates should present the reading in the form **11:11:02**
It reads **3:15:23**
